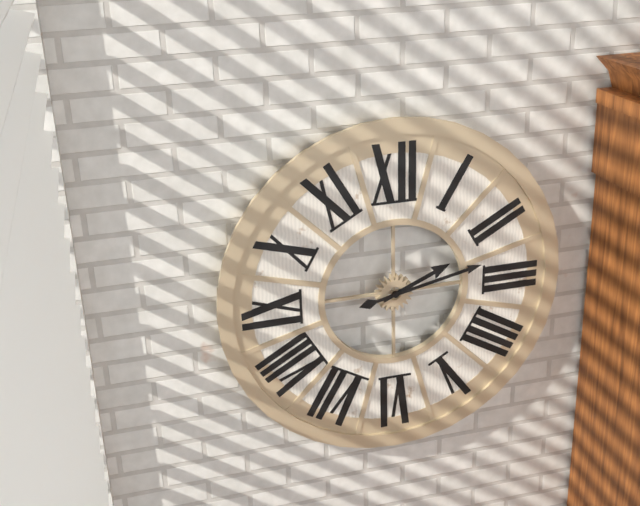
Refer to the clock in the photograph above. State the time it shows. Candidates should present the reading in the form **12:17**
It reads **2:13**
